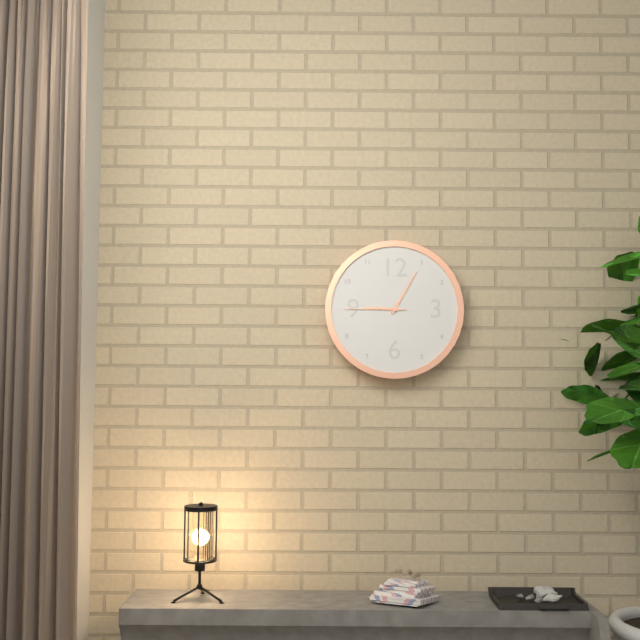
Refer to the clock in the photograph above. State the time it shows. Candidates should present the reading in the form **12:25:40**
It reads **9:05:45**
